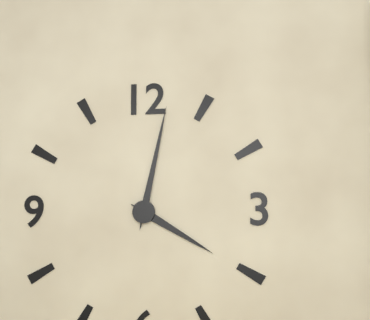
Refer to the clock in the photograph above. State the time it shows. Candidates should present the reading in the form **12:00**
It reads **4:02**
